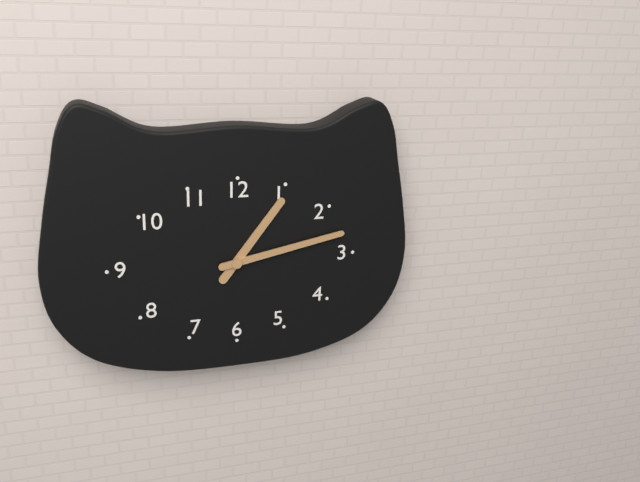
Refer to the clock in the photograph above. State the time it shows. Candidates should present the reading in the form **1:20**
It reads **1:13**
